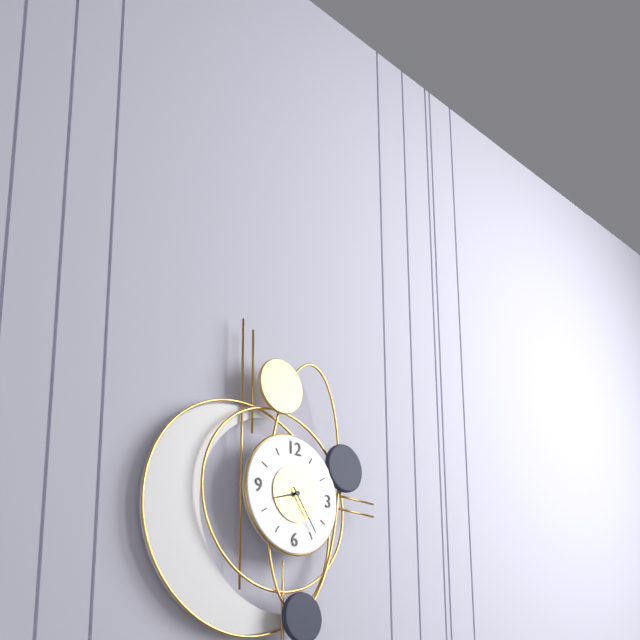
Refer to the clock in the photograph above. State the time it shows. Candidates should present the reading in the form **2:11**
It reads **8:24**
